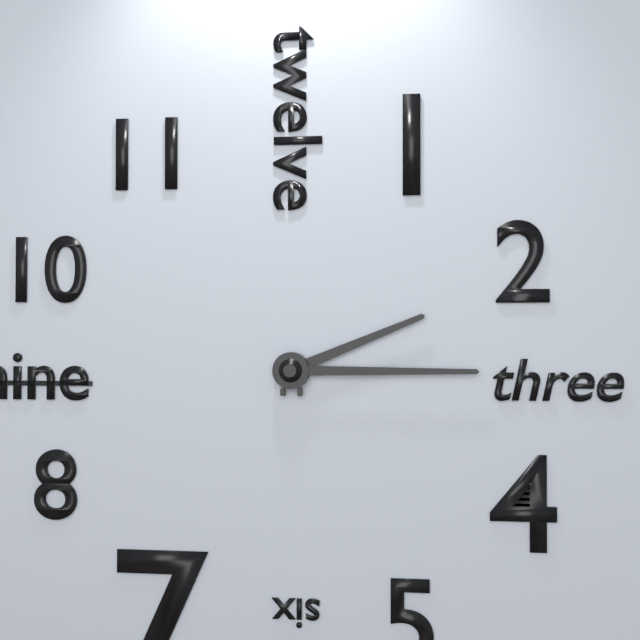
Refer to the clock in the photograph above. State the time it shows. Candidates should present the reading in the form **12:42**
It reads **2:15**
